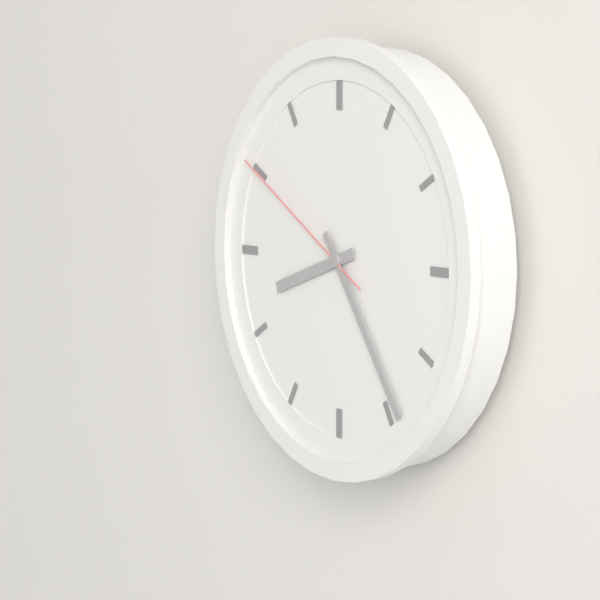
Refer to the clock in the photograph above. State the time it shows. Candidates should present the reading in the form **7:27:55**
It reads **8:24:50**
